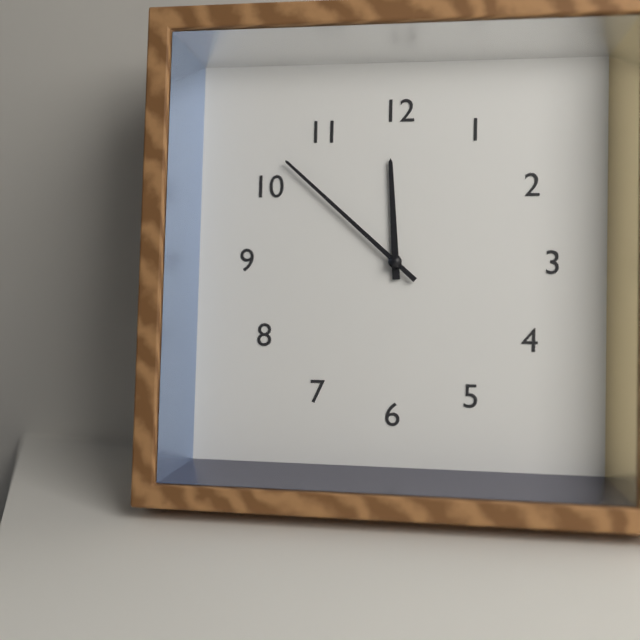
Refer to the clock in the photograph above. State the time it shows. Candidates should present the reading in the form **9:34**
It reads **11:52**
